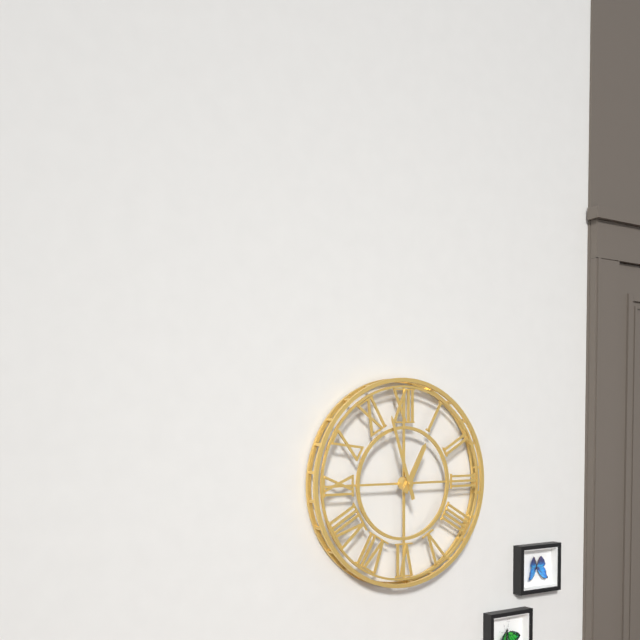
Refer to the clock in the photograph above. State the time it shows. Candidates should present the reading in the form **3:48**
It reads **12:57**
